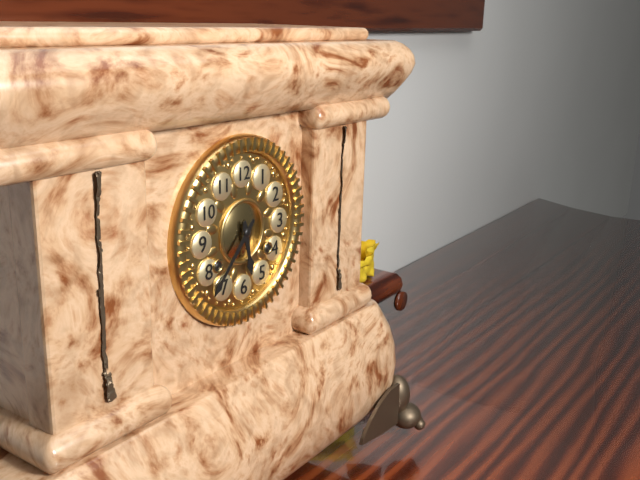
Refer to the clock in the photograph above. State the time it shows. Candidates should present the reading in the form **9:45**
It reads **5:37**
